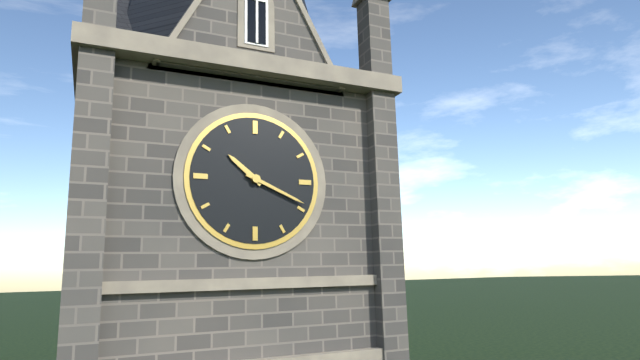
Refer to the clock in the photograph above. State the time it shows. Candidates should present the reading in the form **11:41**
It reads **10:19**
